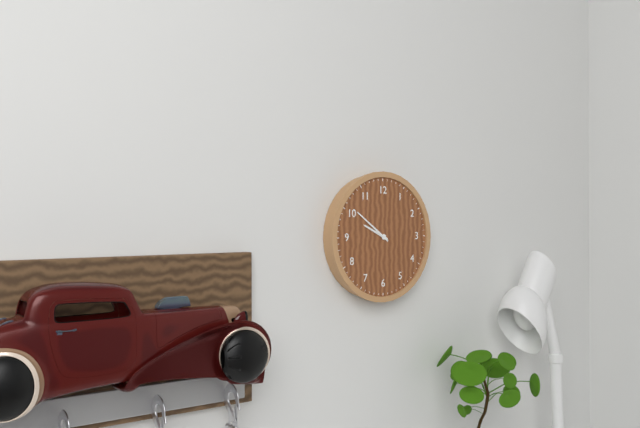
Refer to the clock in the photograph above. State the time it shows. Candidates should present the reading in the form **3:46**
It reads **9:51**
